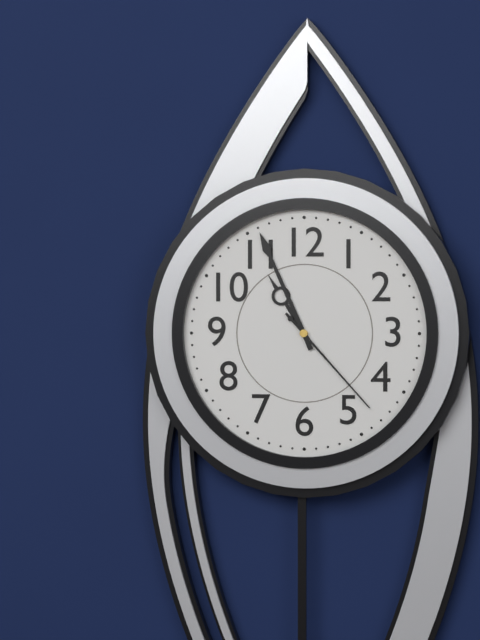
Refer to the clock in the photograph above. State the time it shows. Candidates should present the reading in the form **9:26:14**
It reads **10:56:23**
